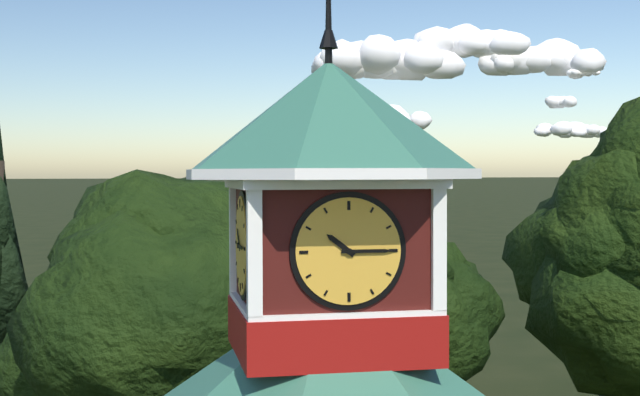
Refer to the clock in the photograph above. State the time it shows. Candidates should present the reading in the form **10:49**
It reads **10:15**
